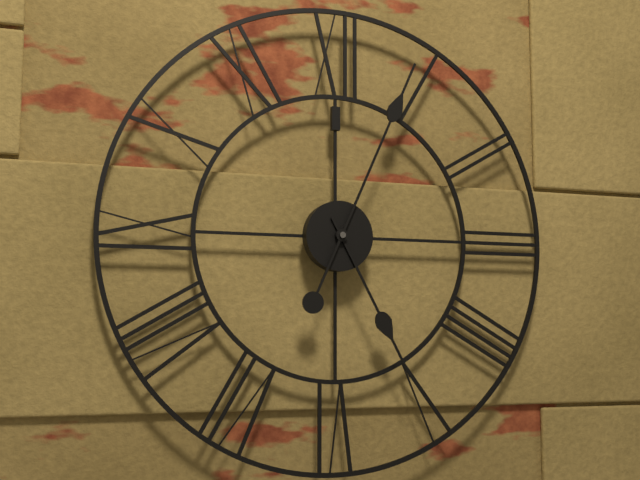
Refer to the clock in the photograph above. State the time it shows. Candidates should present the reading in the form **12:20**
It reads **5:04**
